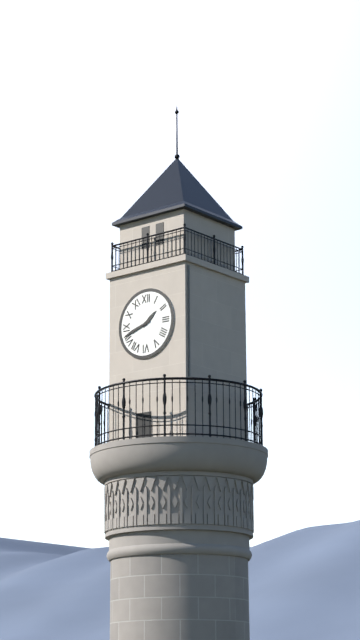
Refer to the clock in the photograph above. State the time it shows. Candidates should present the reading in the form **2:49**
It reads **1:42**
